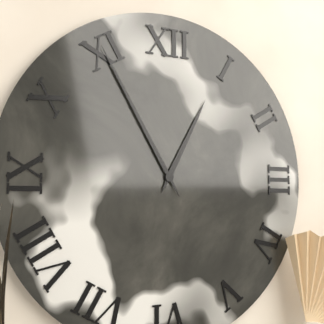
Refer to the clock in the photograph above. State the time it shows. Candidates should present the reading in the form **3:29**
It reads **12:55**
